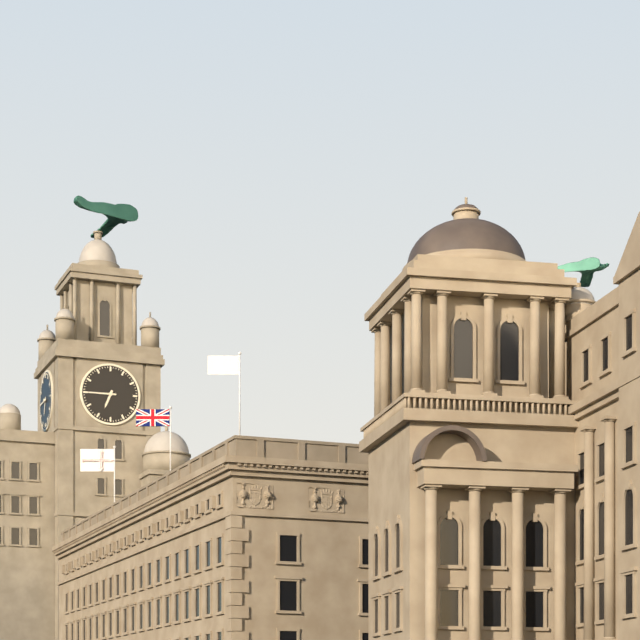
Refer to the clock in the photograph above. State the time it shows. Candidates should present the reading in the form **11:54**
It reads **6:45**
